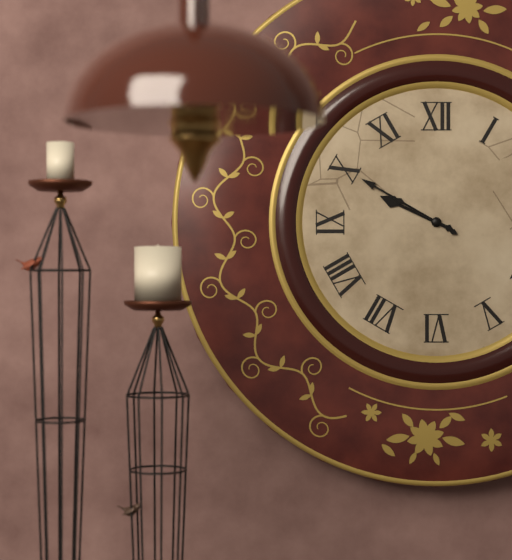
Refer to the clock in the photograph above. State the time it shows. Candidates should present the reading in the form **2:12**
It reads **9:50**
